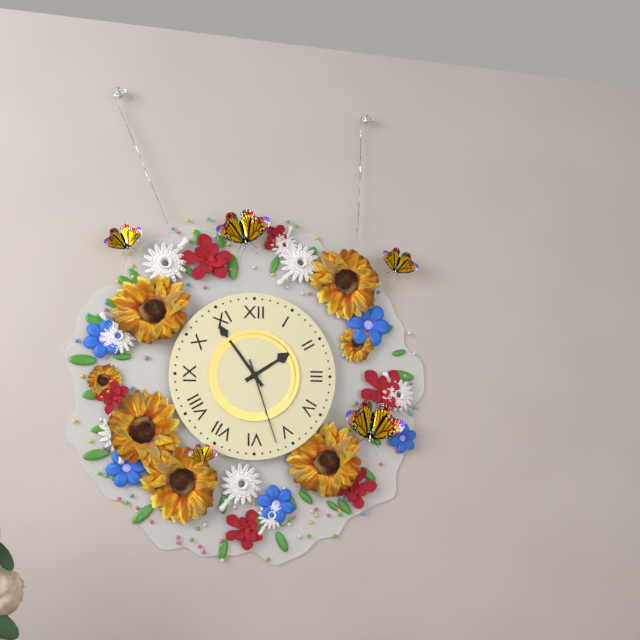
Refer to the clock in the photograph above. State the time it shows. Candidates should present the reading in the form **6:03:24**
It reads **1:54:27**
